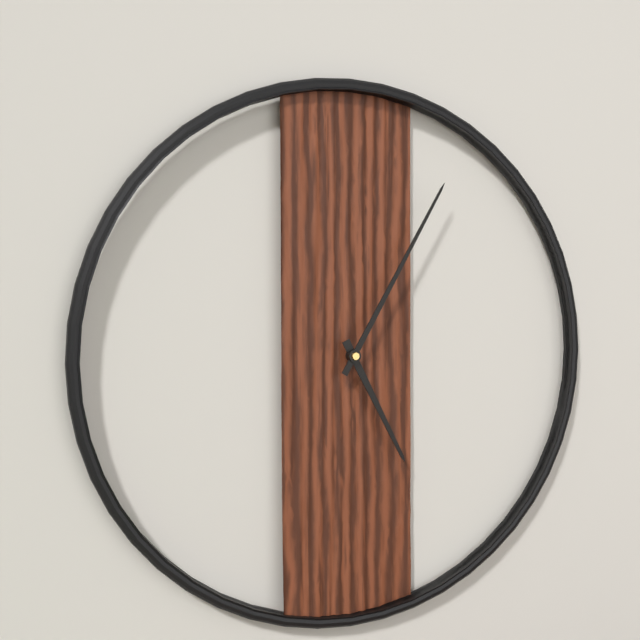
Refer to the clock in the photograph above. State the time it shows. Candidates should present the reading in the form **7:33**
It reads **5:05**
